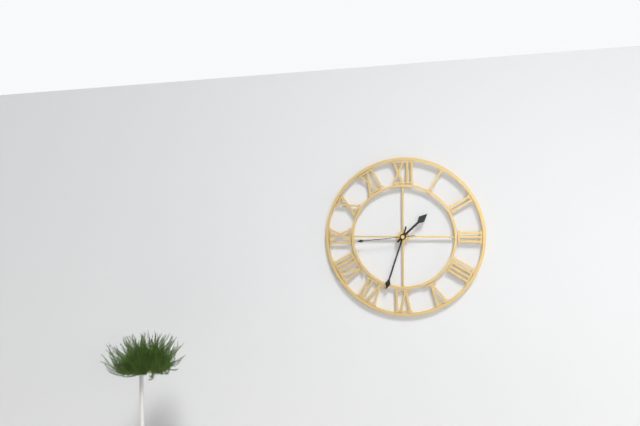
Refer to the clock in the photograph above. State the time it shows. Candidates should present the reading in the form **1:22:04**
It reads **1:33:44**
